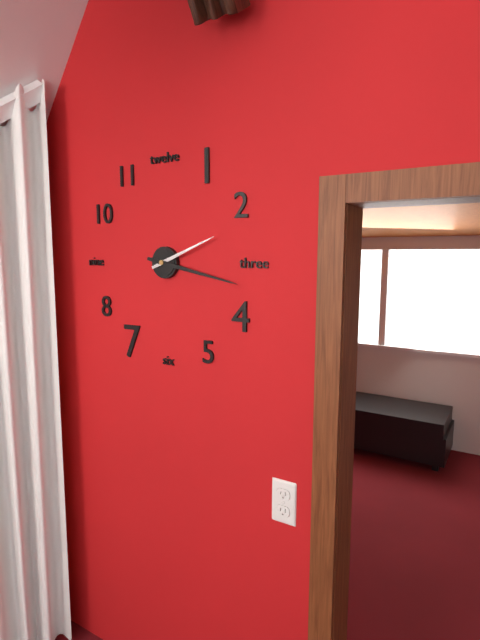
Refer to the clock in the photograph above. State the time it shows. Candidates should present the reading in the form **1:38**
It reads **2:17**
